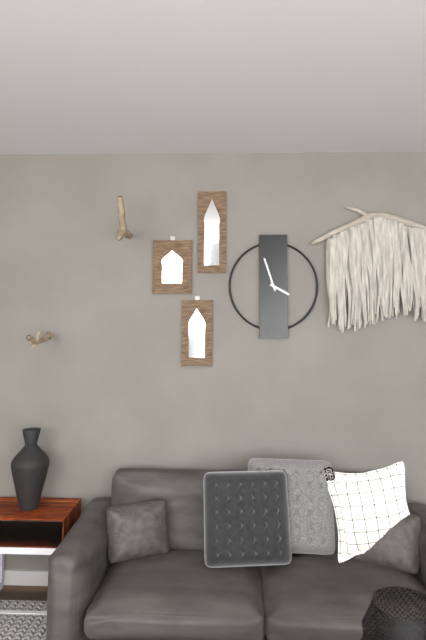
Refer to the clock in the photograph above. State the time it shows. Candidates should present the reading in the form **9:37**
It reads **3:57**
